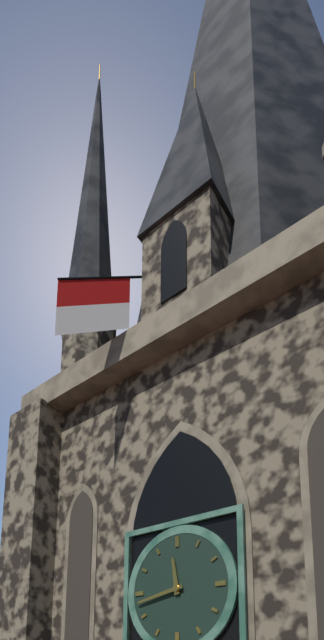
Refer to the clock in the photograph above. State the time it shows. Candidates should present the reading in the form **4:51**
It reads **11:43**
